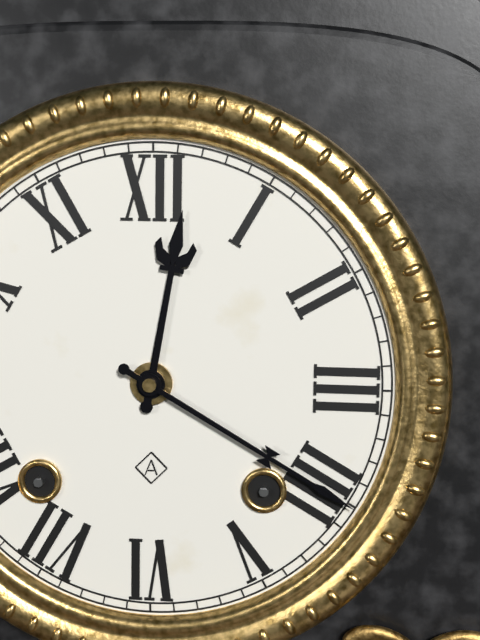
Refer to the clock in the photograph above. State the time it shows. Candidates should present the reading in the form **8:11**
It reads **12:20**
